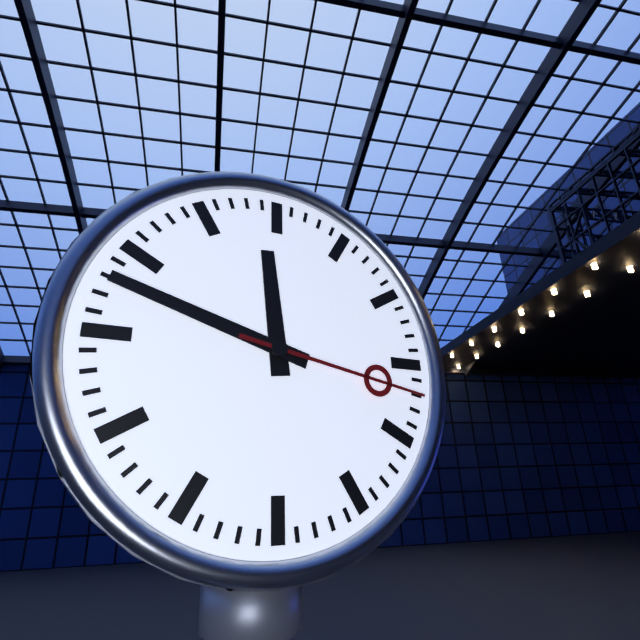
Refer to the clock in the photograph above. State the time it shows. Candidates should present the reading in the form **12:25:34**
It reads **11:48:17**
